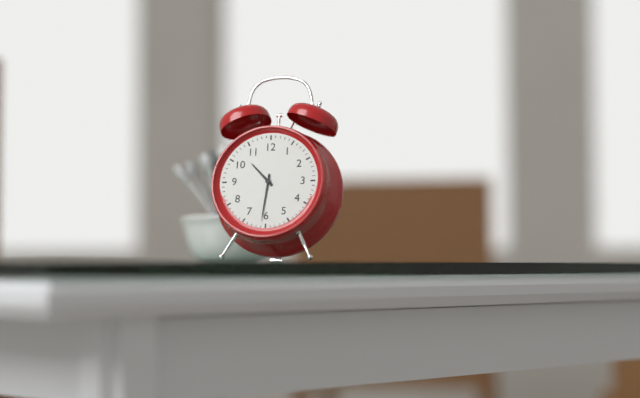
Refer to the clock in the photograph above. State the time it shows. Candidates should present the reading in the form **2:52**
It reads **10:31**
